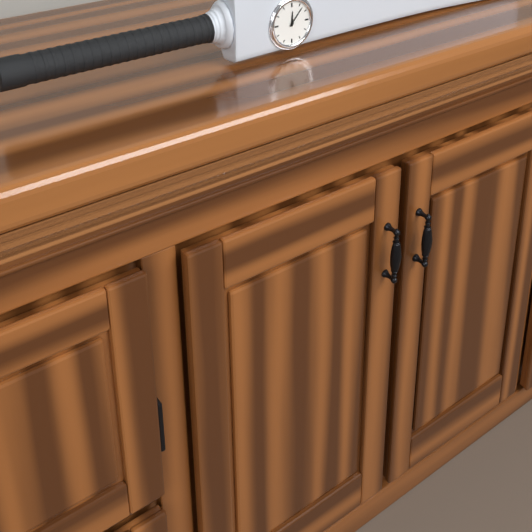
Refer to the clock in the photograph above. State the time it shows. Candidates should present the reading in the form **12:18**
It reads **12:07**
